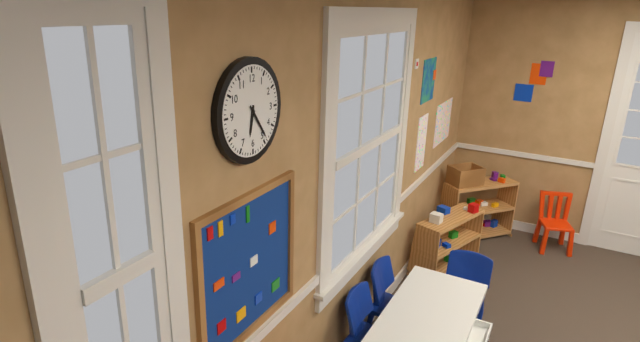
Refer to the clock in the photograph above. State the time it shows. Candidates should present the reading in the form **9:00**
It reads **6:24**
